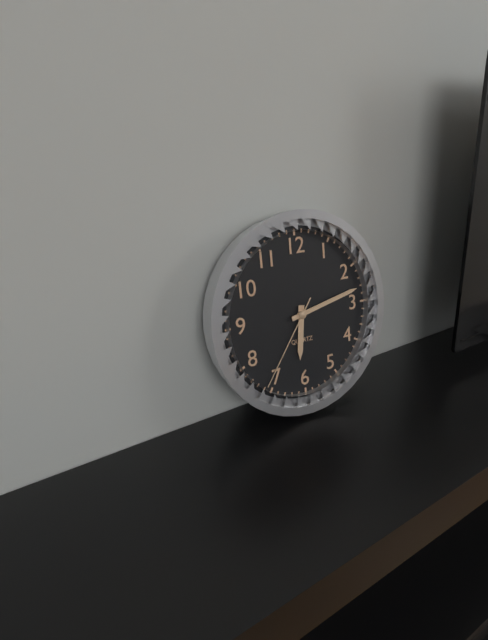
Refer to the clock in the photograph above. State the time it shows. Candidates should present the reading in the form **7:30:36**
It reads **6:13:36**
